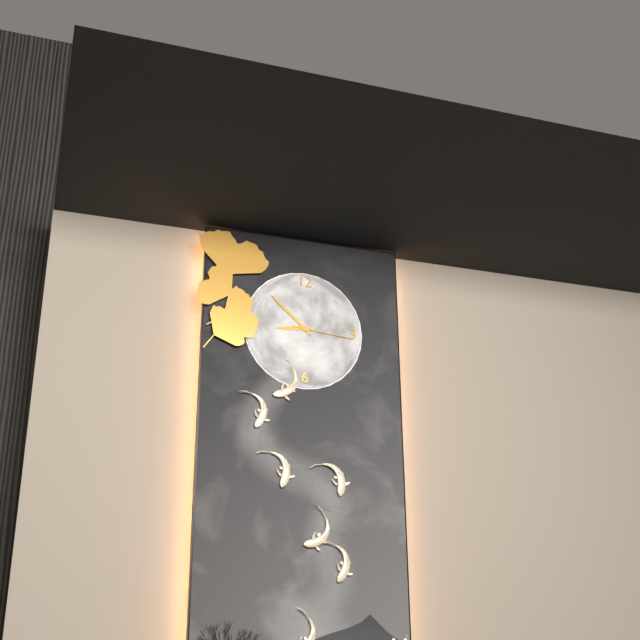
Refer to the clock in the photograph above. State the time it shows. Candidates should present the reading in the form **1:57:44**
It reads **8:52:16**
